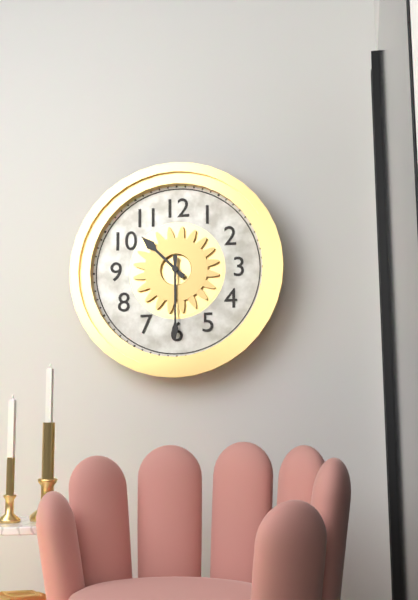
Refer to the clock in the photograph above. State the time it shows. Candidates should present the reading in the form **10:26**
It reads **10:30**
